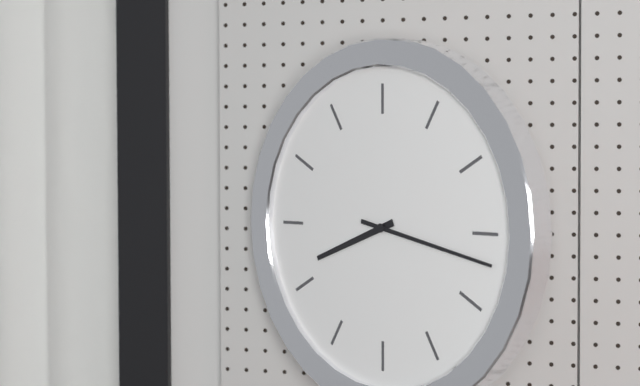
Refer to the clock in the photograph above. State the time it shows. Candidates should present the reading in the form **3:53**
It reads **8:17**
